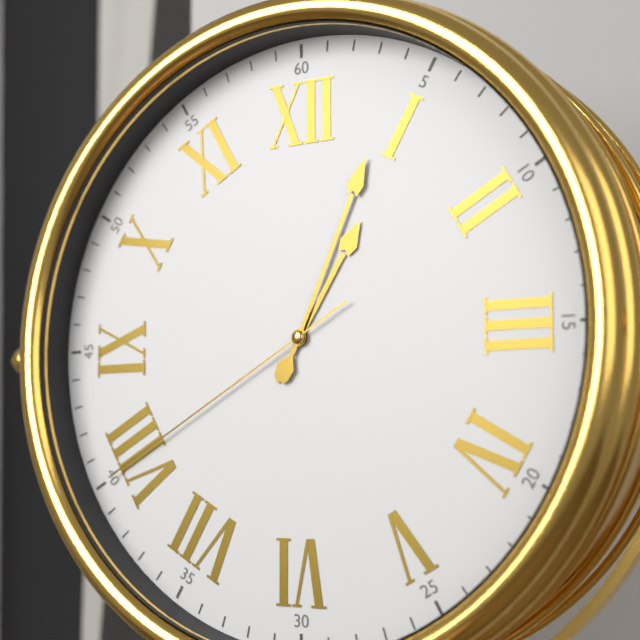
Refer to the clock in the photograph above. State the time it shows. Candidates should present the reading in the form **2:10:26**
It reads **1:04:40**
